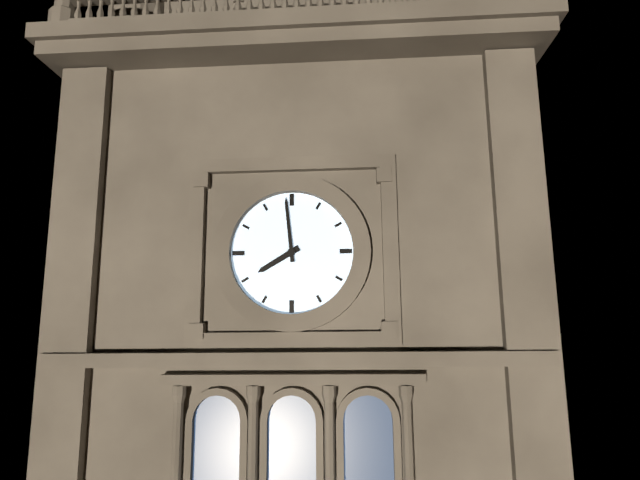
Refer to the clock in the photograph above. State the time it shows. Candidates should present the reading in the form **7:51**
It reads **7:59**
